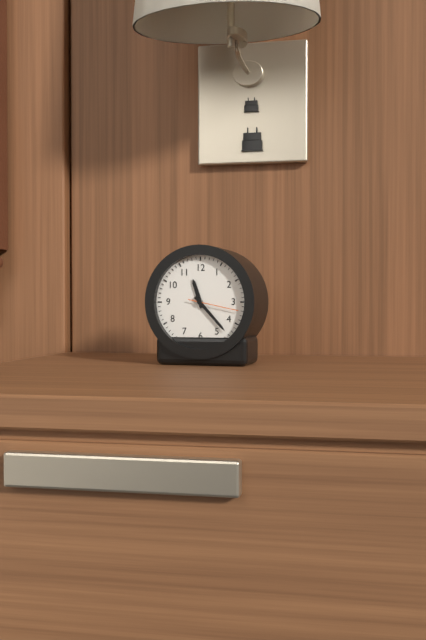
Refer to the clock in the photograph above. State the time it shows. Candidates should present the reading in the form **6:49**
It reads **11:23**
